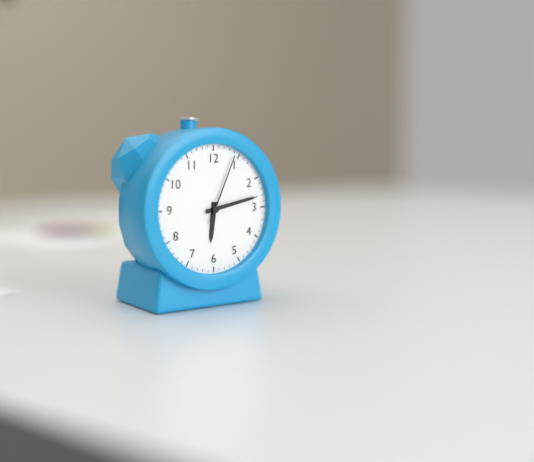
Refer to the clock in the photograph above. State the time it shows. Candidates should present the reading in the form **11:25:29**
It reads **6:13:04**
